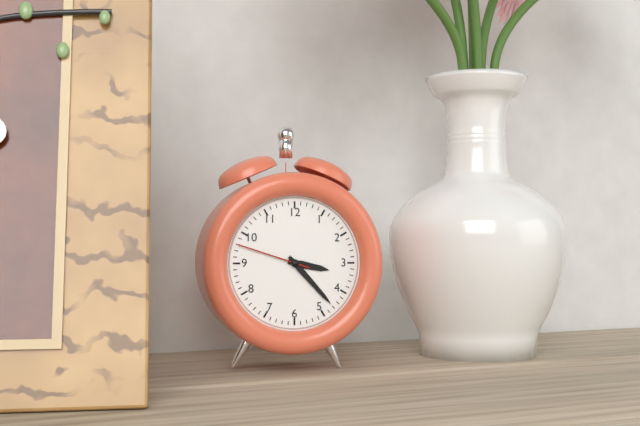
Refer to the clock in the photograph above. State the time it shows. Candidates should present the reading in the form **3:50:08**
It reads **3:23:48**
